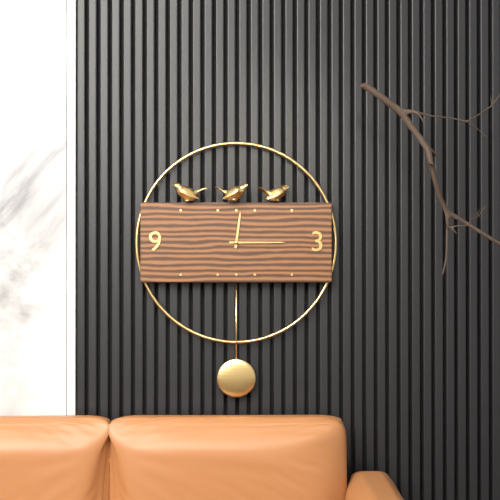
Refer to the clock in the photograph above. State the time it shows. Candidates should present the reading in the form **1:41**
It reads **12:15**
